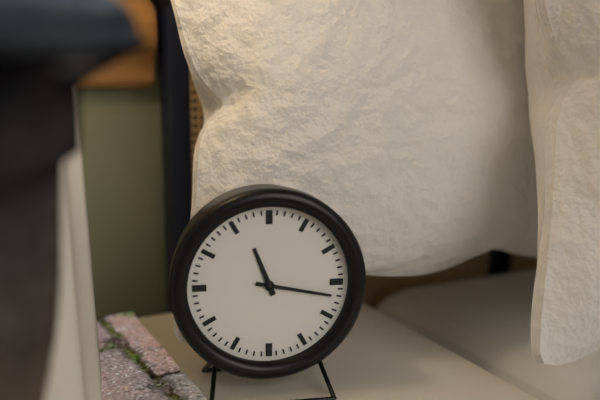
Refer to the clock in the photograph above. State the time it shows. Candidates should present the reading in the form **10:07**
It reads **11:17**
